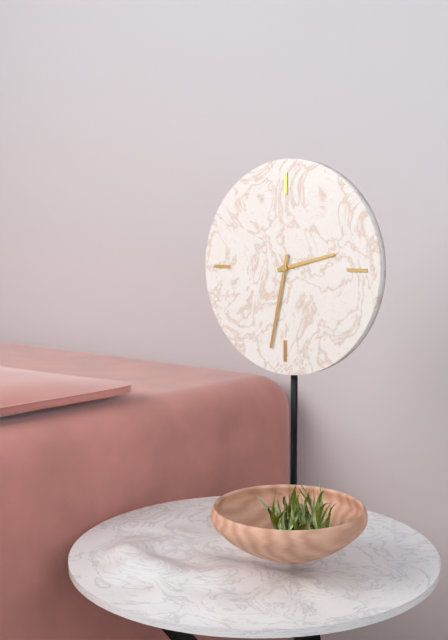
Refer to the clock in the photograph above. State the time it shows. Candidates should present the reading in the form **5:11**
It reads **2:32**
